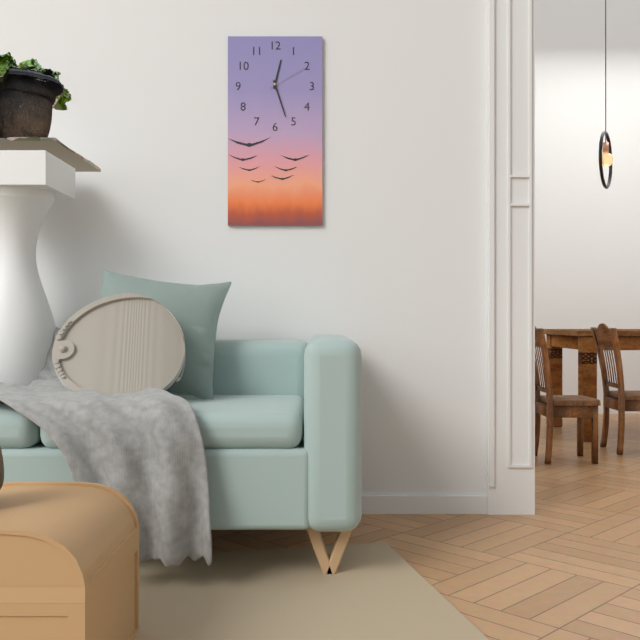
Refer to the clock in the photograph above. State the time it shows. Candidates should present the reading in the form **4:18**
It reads **12:27**
